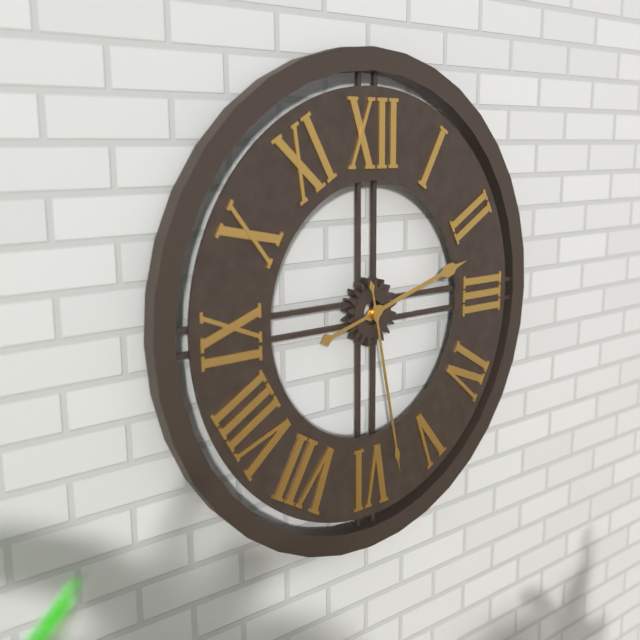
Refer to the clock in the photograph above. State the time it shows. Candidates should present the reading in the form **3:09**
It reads **2:28**
